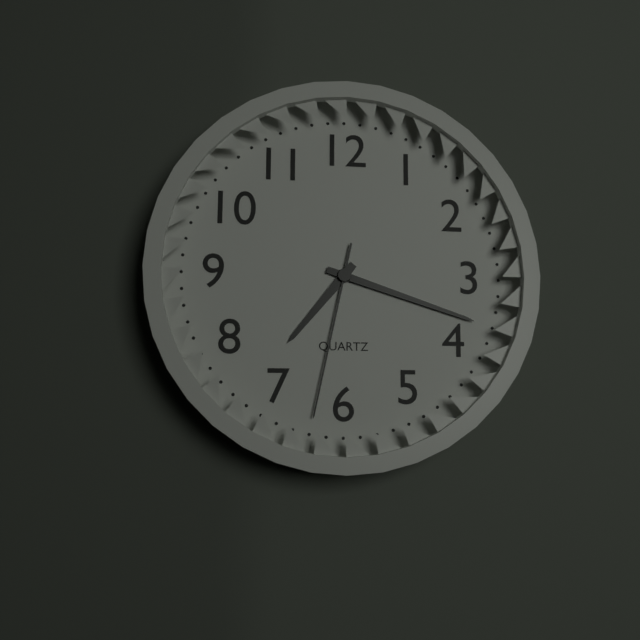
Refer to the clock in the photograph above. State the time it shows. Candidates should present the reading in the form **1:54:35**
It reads **7:18:32**
